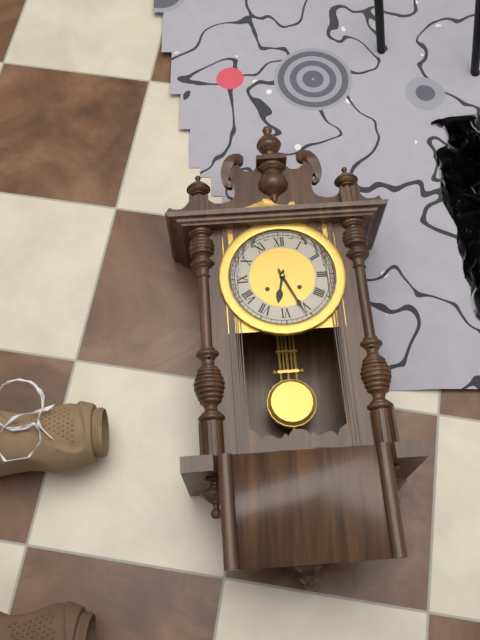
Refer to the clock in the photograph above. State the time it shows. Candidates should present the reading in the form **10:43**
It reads **6:26**
